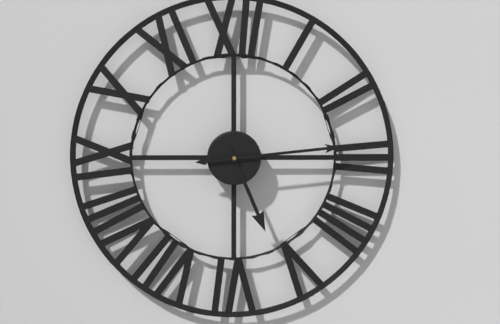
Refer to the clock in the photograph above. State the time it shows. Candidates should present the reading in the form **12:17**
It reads **5:14**
